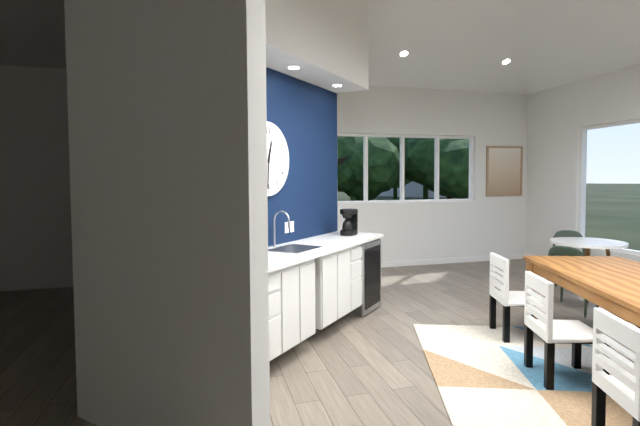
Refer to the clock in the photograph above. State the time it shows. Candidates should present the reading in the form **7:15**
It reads **12:31**
